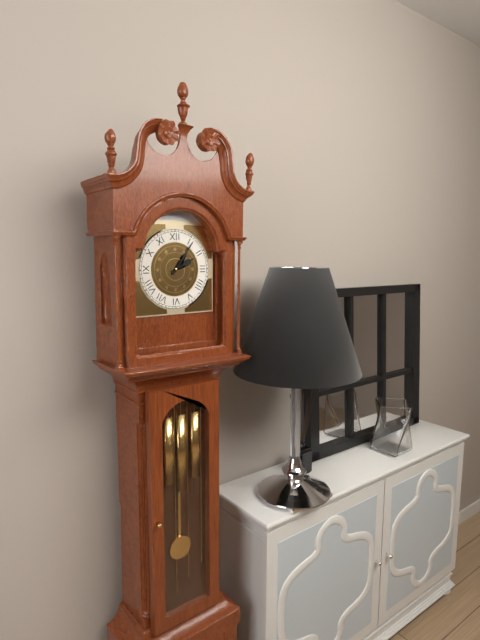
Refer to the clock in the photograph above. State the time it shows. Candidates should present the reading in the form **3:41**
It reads **2:06**
